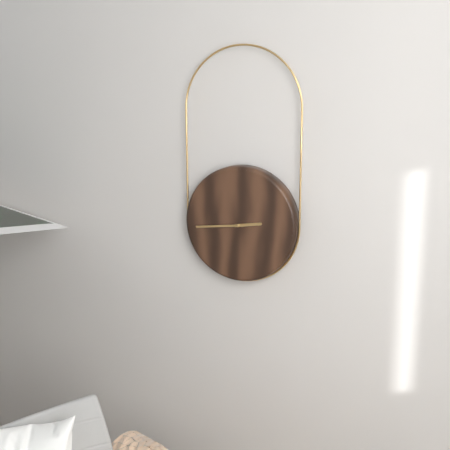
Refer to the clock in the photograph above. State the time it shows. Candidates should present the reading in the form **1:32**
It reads **2:44**
